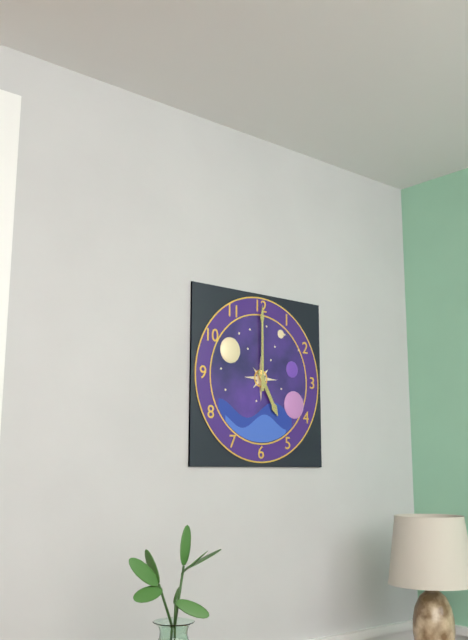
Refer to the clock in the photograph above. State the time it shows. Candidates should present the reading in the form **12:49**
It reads **5:00**
